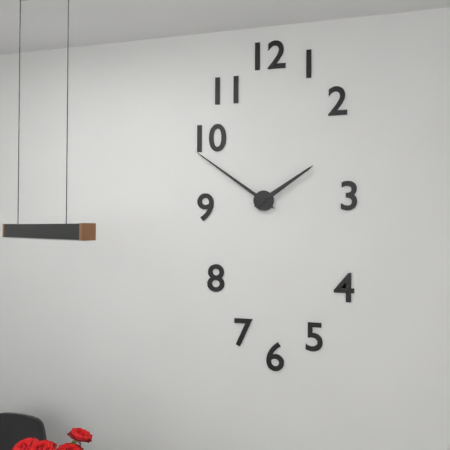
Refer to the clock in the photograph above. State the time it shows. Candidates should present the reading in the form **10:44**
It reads **1:51**
